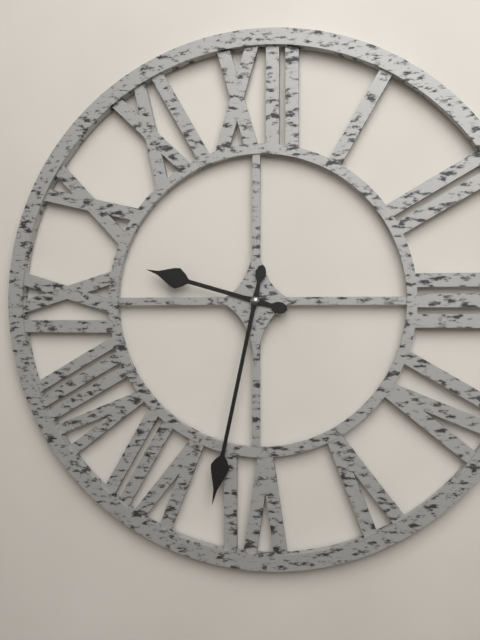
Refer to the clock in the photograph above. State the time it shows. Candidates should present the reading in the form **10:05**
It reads **9:32**
